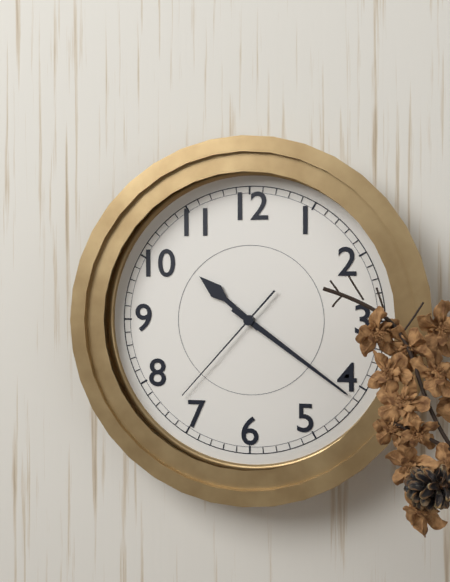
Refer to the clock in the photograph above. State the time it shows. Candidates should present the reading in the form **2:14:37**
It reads **10:21:37**
